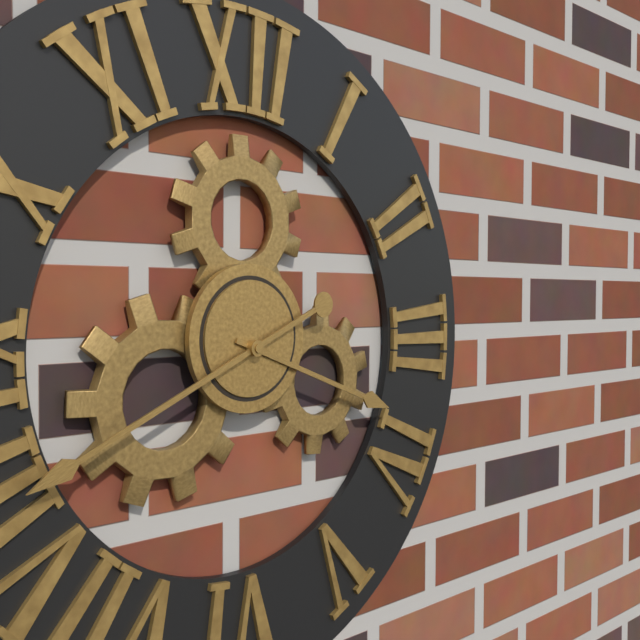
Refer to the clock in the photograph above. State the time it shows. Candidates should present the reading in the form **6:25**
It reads **3:41**
